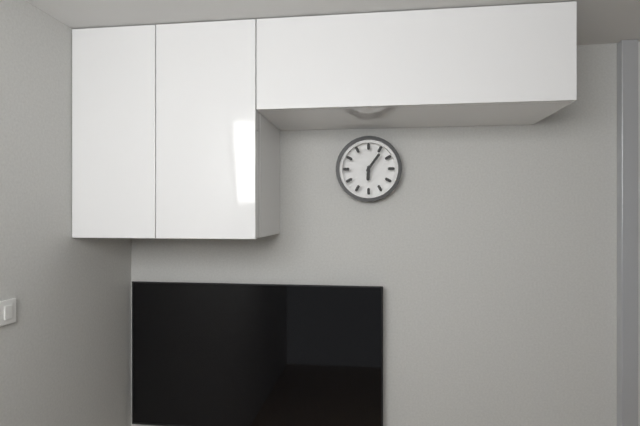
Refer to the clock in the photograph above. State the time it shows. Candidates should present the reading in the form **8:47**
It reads **6:06**
